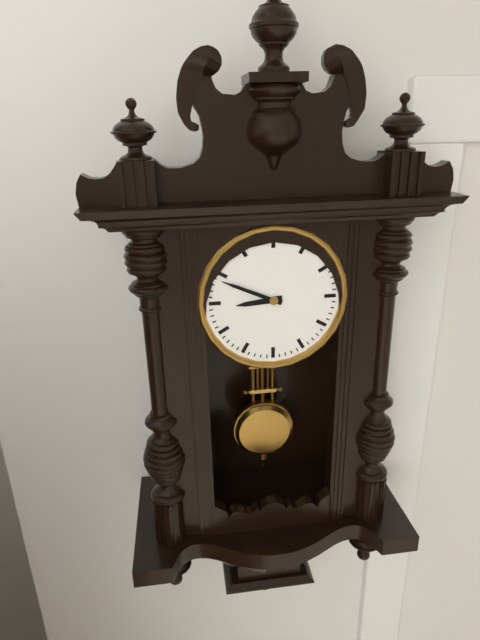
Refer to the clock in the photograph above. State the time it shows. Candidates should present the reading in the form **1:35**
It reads **8:49**
